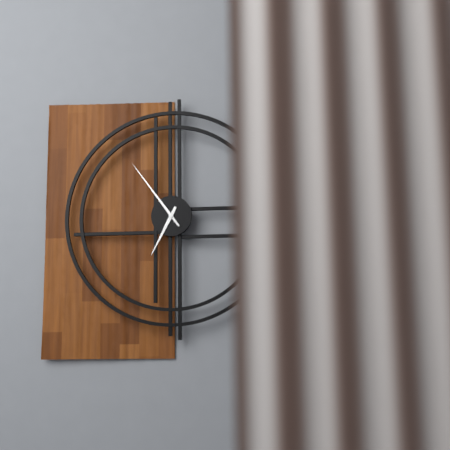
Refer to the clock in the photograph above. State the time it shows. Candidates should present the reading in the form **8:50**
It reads **6:54**
